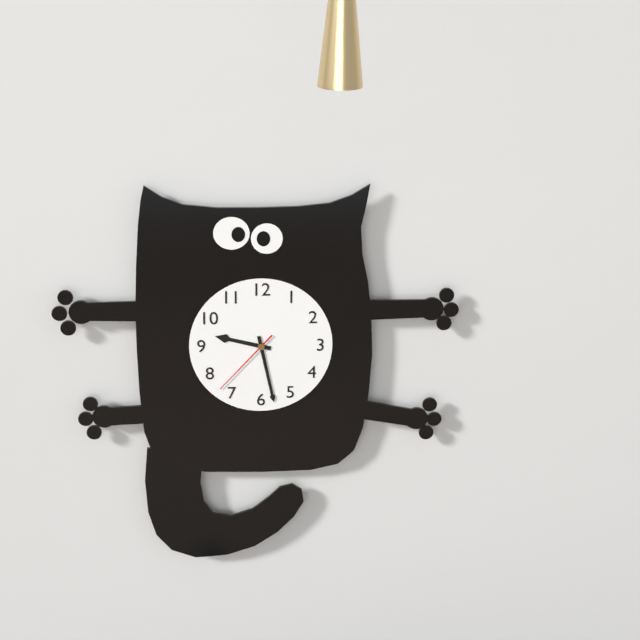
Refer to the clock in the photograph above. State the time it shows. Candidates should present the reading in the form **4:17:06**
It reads **9:28:37**
